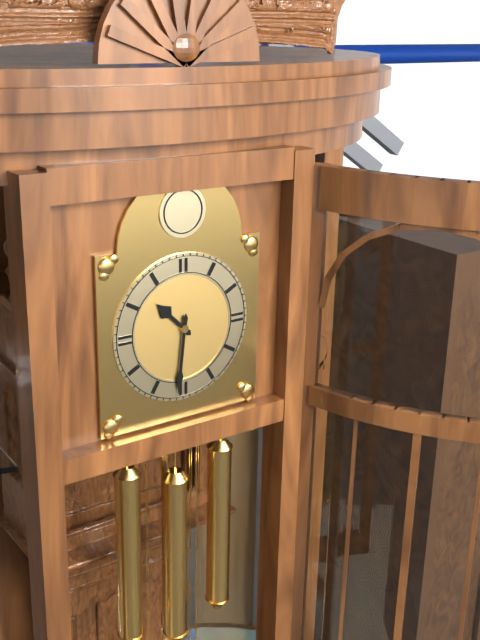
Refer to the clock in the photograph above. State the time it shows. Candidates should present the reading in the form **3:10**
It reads **10:31**
